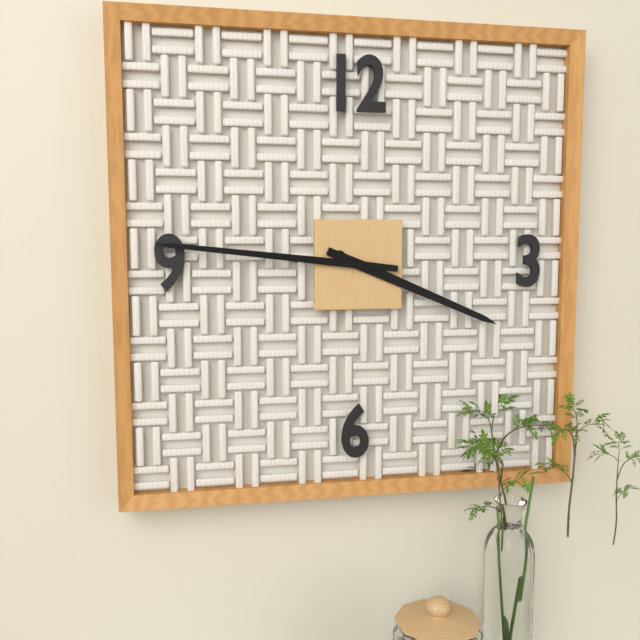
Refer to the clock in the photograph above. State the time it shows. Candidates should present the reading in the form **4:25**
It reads **3:46**
